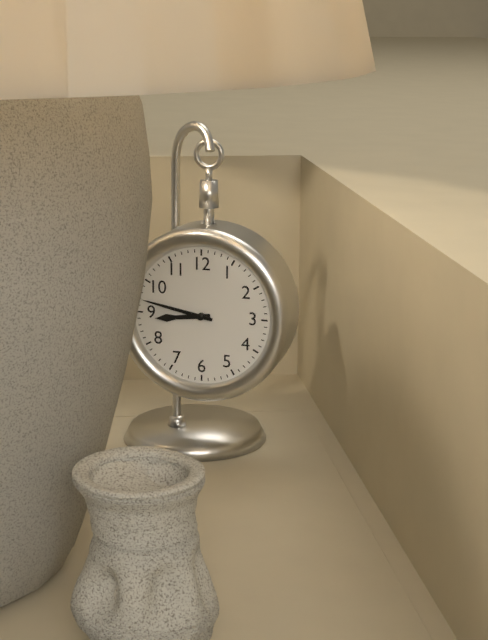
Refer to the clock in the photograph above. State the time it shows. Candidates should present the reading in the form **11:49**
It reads **8:47**
